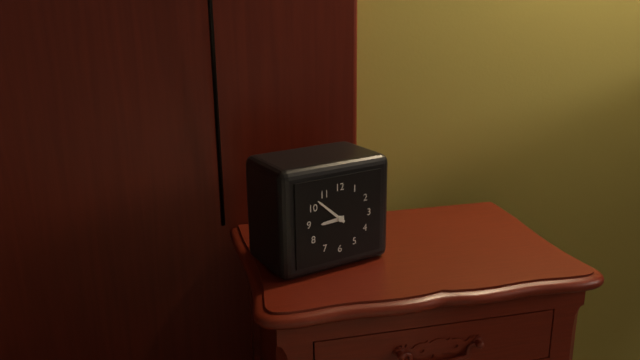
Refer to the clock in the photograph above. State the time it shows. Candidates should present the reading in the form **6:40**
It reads **8:52**
